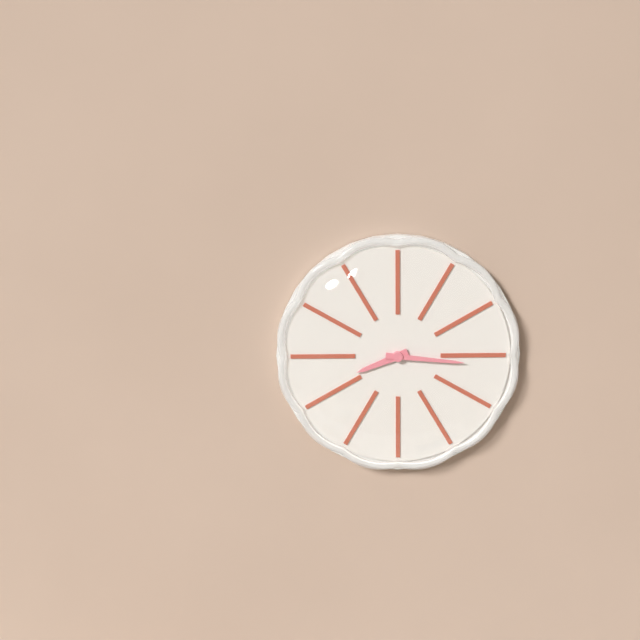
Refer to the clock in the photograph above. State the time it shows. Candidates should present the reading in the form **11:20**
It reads **8:16**
